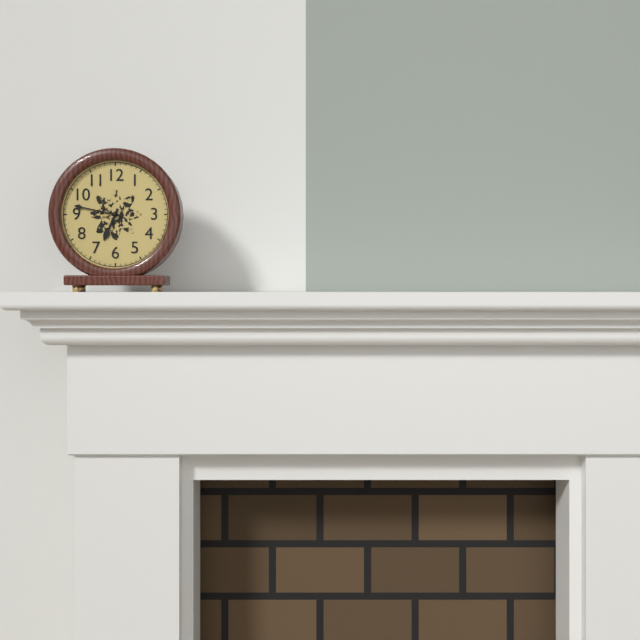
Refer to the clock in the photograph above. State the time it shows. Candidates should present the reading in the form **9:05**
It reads **6:47**
